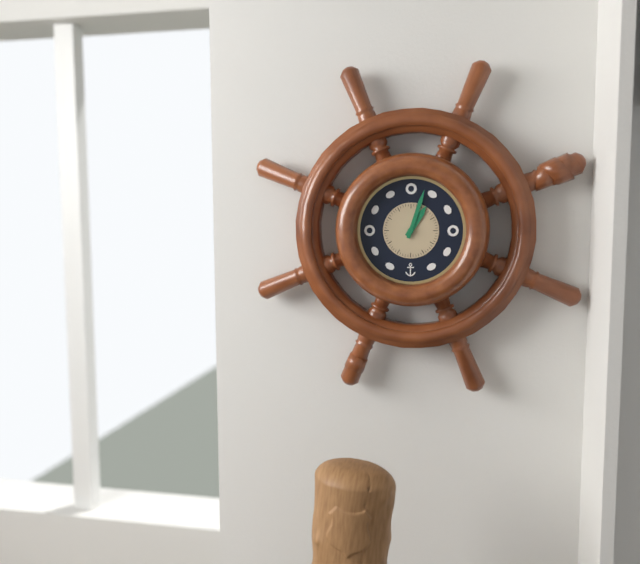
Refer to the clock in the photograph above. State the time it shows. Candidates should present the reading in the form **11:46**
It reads **1:03**
